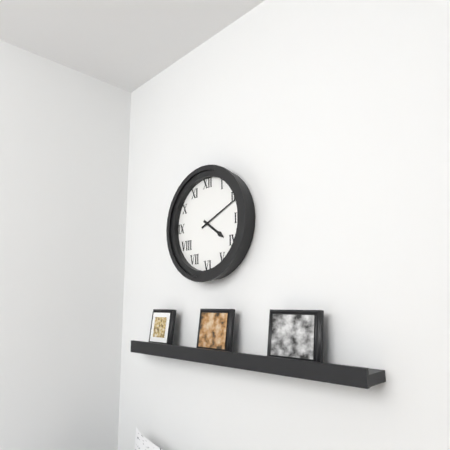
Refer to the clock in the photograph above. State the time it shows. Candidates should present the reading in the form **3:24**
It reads **4:11**
